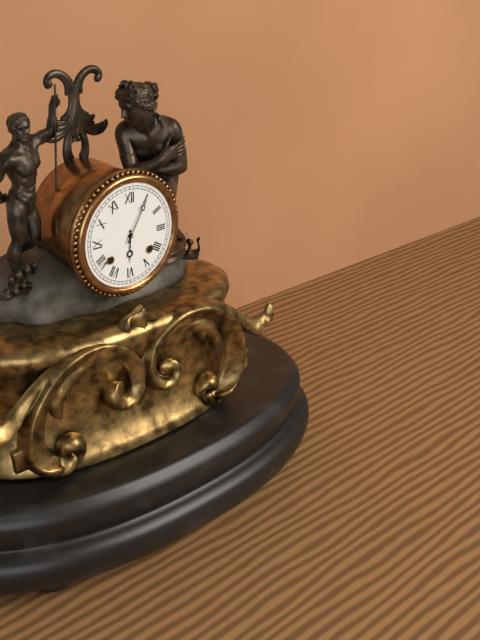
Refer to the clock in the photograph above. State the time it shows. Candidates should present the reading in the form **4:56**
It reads **6:05**
